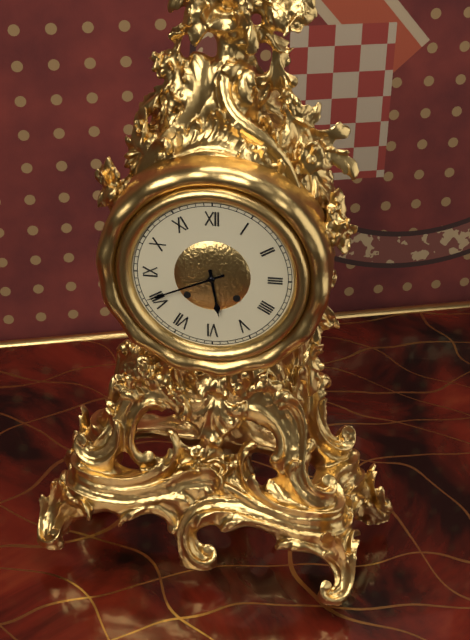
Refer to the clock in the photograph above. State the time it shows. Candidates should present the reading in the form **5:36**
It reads **5:41**
